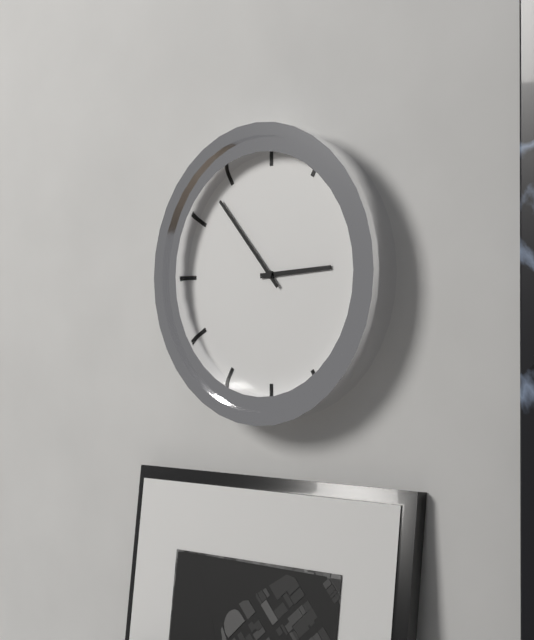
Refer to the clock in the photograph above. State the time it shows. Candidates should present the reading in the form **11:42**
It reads **2:53**
